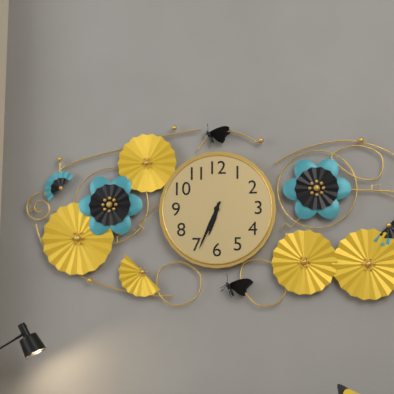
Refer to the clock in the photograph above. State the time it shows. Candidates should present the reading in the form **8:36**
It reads **6:34**
